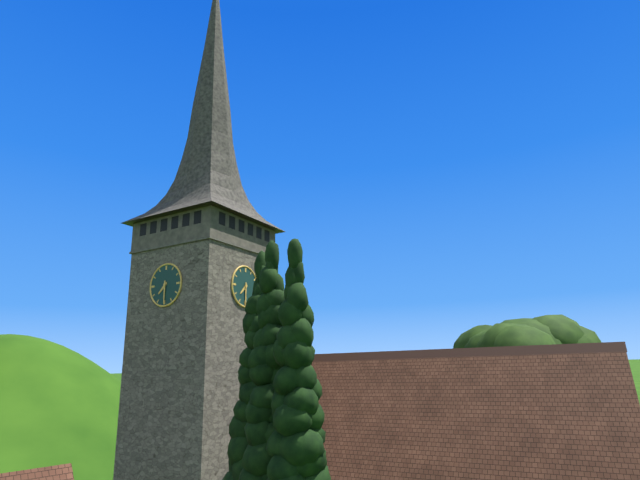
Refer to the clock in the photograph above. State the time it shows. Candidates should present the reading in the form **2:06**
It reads **7:30**
